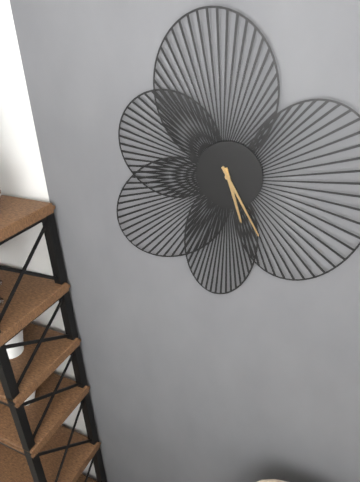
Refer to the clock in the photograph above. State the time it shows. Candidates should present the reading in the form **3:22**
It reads **5:25**
